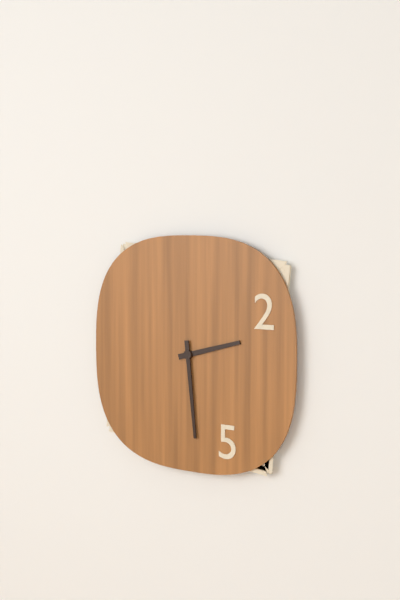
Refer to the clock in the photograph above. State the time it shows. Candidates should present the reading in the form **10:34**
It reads **2:29**
